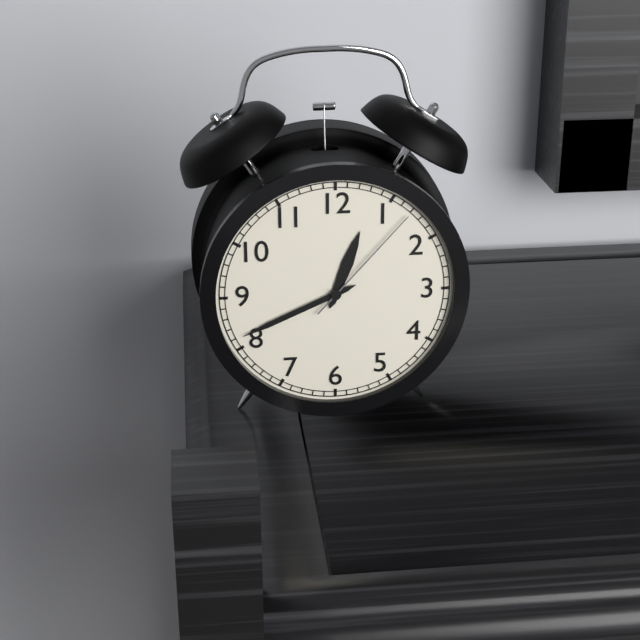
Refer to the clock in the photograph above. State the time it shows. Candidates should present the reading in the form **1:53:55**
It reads **12:41:07**
